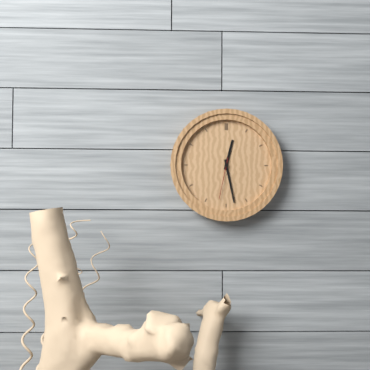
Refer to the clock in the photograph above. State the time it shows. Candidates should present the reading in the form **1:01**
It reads **12:28**
